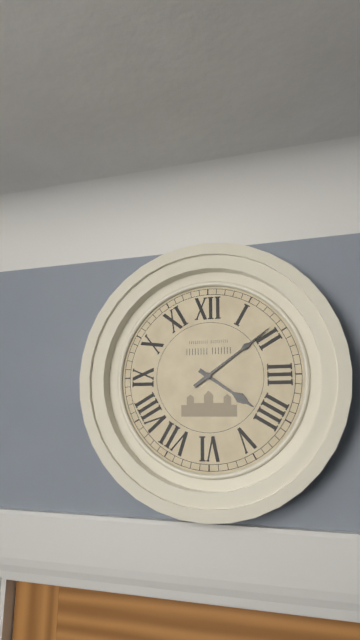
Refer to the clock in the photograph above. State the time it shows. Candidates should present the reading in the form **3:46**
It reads **4:09**
